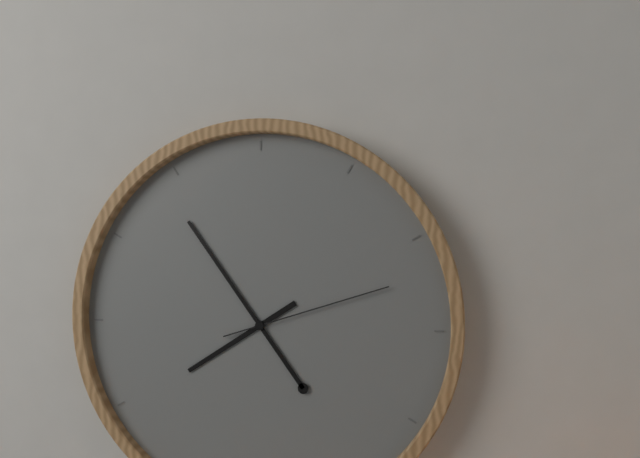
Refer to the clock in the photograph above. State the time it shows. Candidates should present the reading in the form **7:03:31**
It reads **7:54:12**
